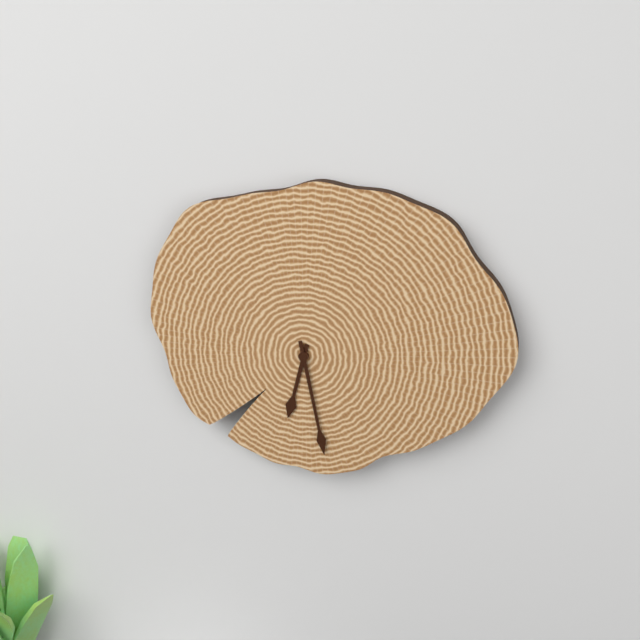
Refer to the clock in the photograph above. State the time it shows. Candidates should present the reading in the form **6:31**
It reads **6:28**
